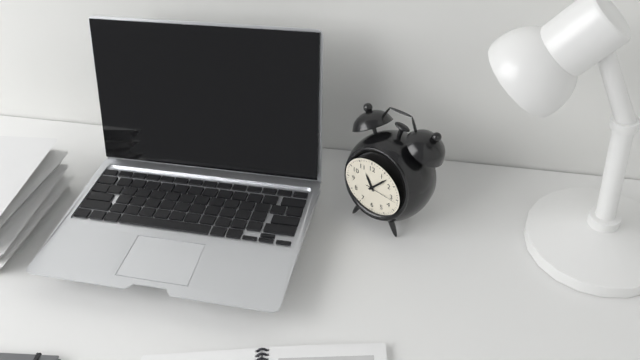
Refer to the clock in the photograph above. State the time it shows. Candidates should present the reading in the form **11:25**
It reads **11:07**
